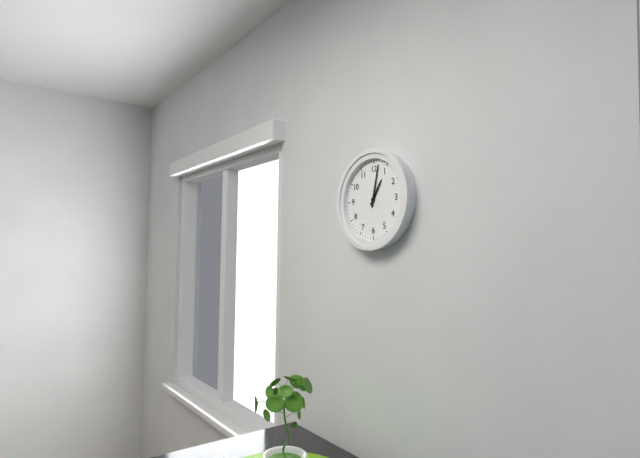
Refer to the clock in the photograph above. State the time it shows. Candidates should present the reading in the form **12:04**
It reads **1:02**
